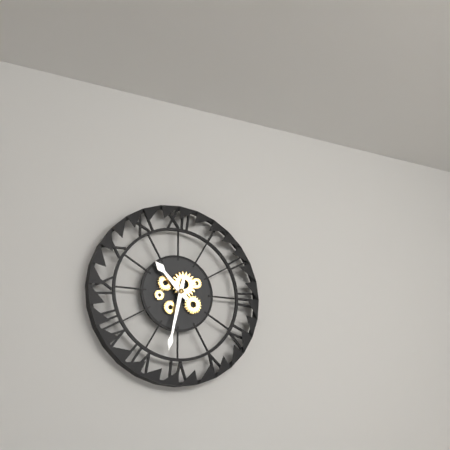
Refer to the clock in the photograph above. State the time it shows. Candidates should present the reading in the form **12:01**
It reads **10:32**
